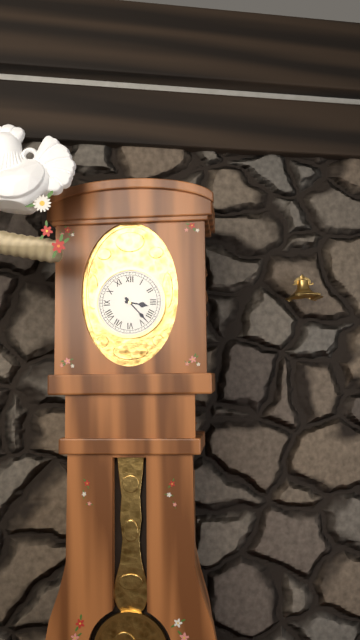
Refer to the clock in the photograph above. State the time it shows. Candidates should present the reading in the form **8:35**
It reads **3:23**
